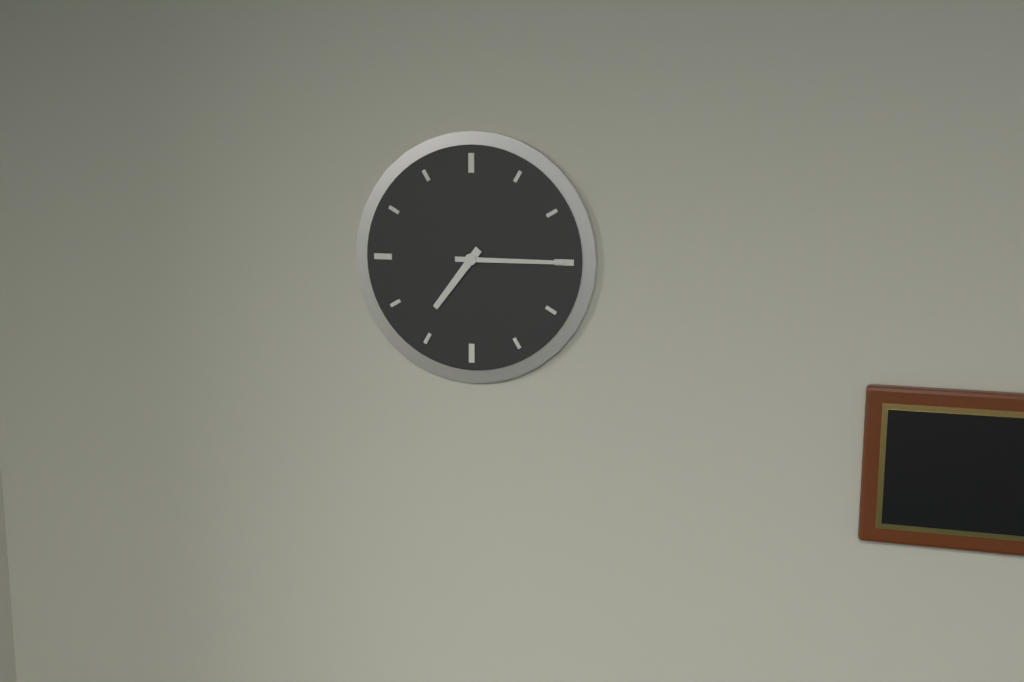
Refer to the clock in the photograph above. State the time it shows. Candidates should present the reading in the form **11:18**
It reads **7:15**
